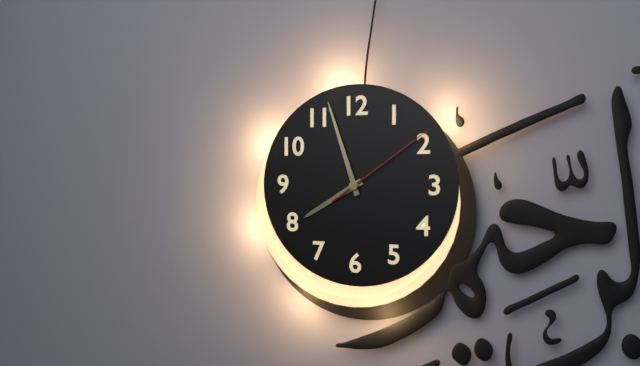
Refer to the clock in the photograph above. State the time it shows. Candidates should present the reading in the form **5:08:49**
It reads **7:57:09**
